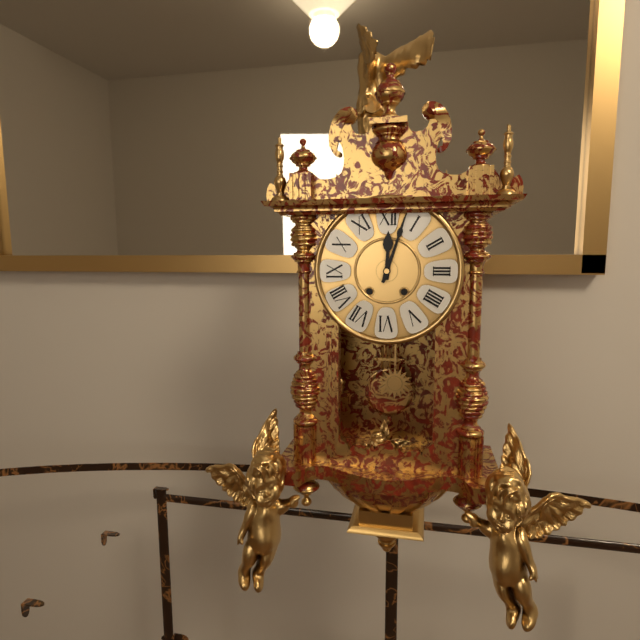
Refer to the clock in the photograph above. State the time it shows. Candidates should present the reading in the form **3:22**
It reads **12:03**
